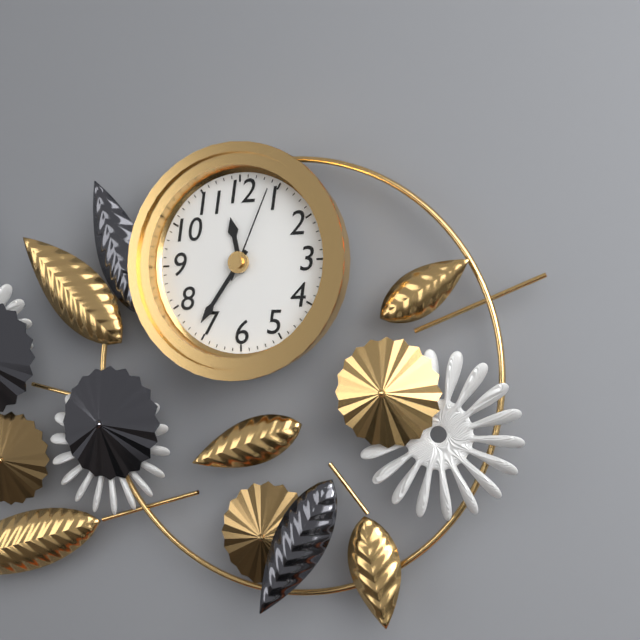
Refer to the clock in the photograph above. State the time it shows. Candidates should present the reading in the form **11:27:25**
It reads **11:36:04**
